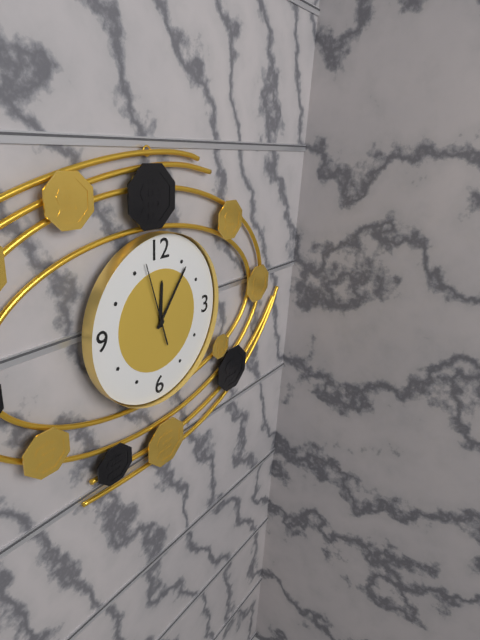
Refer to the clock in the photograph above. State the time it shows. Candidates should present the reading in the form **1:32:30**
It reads **12:06:57**
